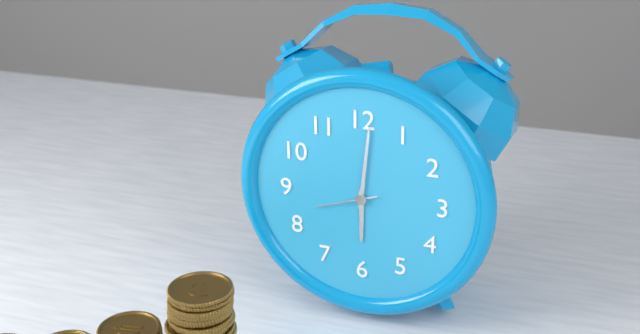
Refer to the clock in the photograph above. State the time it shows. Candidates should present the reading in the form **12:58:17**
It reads **6:01:42**
